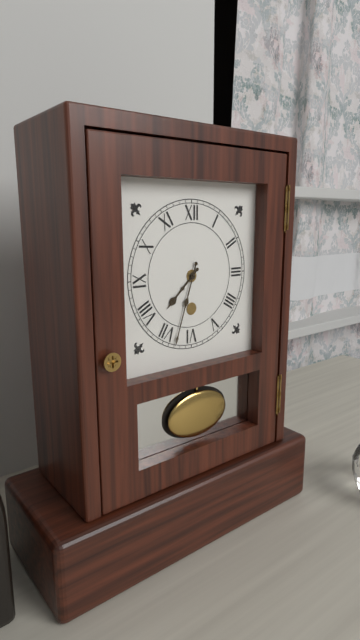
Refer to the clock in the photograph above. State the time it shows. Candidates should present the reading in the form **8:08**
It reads **7:33**
